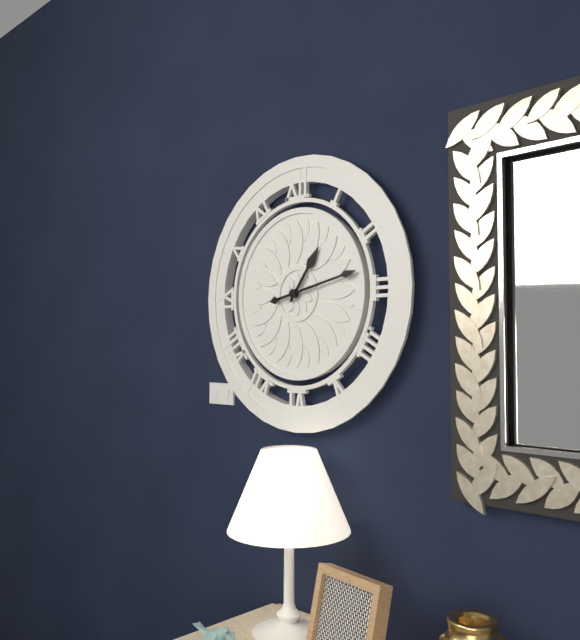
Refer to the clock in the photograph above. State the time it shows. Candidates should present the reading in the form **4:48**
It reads **1:13**
